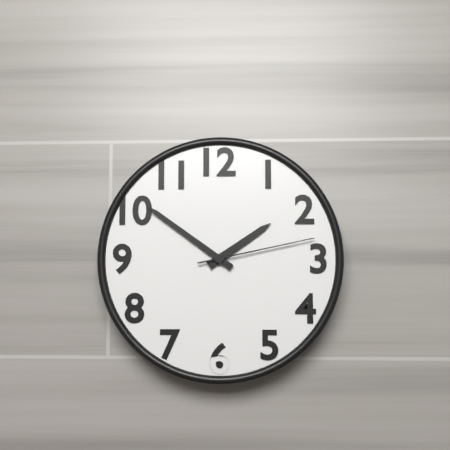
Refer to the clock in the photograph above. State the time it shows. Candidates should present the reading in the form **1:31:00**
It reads **1:51:13**
